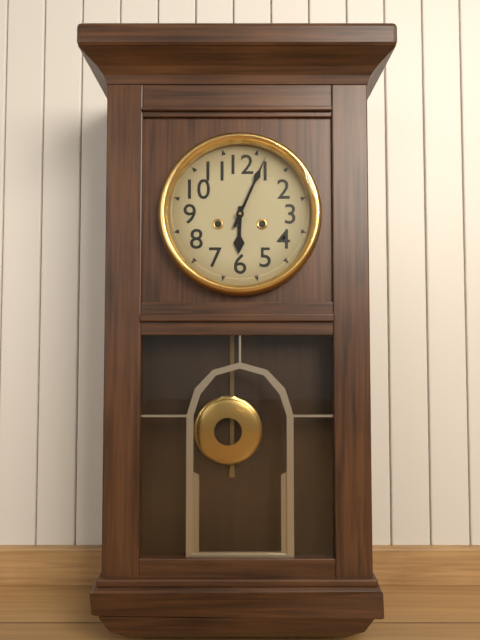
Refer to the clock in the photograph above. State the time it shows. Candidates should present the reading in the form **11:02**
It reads **6:04**
